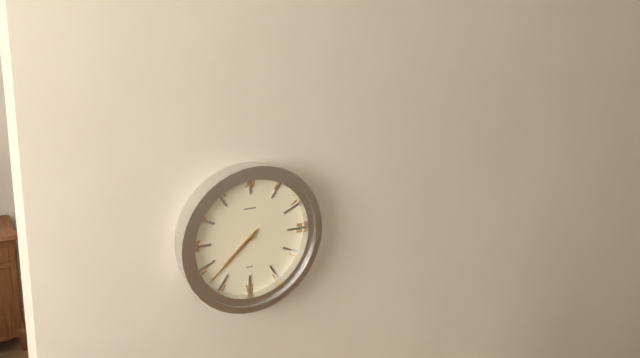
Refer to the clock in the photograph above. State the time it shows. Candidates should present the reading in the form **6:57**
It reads **7:38**
